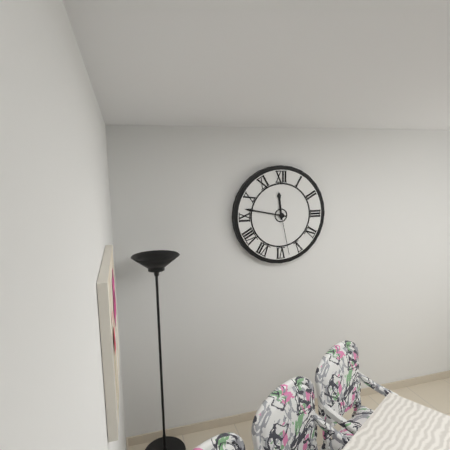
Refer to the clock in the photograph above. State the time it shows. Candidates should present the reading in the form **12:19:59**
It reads **11:47:28**
